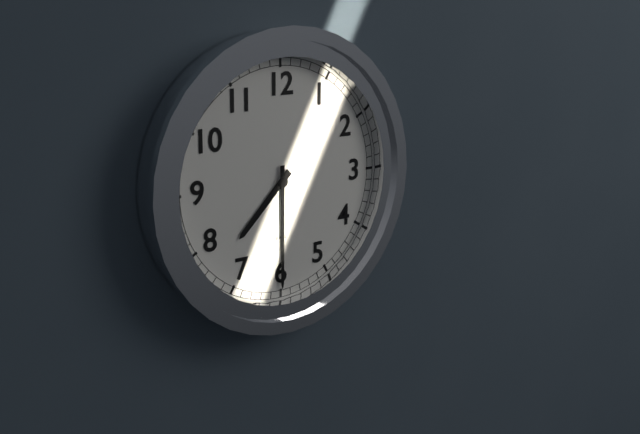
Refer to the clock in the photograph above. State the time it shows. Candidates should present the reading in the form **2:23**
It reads **7:30**
